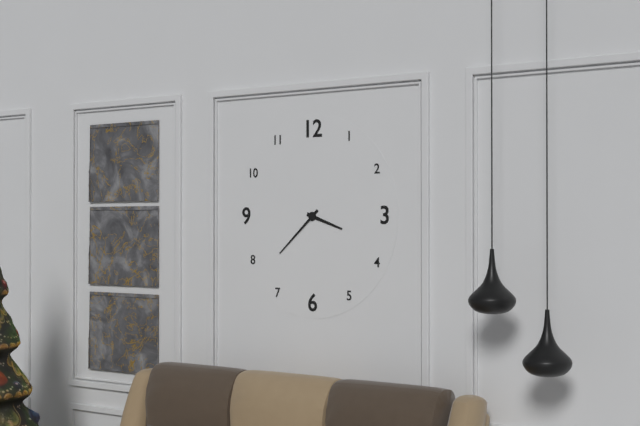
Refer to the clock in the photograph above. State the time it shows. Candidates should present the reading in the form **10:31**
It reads **3:38**
